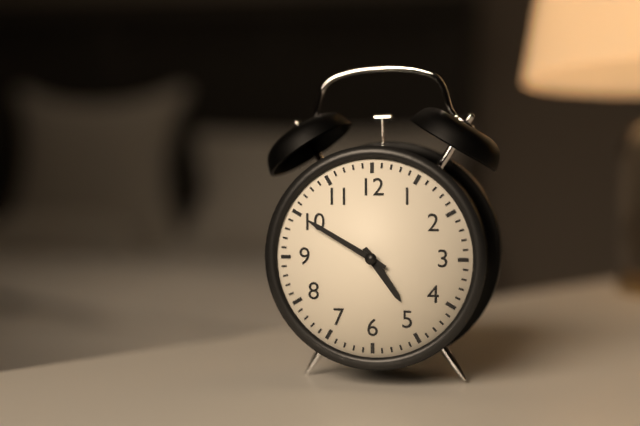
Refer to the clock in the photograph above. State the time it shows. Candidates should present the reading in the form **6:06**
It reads **4:50**
